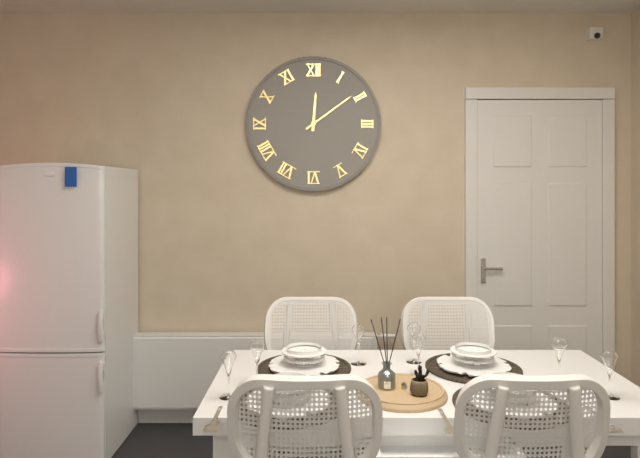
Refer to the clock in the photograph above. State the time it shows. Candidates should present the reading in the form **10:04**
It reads **12:09**
